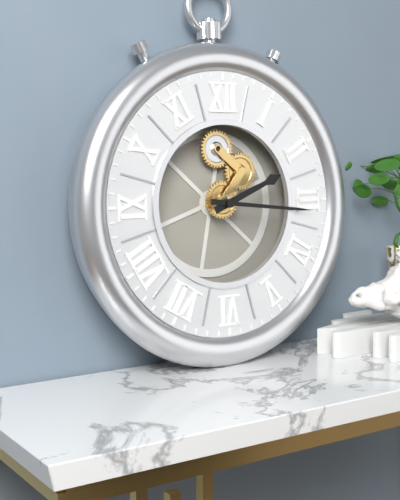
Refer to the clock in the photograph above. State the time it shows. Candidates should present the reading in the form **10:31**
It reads **2:16**
